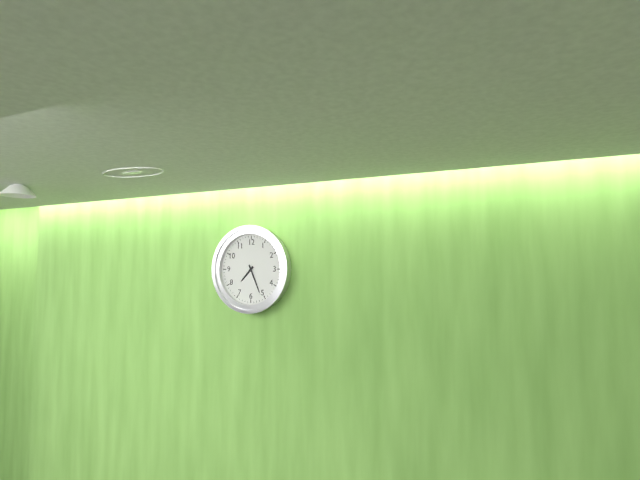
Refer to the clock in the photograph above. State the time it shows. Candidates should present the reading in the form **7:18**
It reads **7:26**
